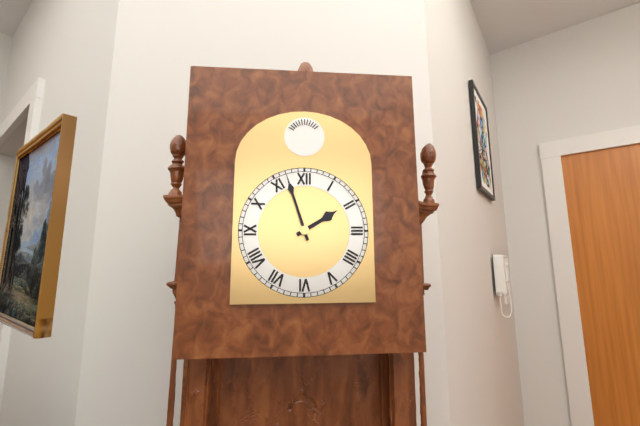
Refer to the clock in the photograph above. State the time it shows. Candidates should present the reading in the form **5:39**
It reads **1:57**
